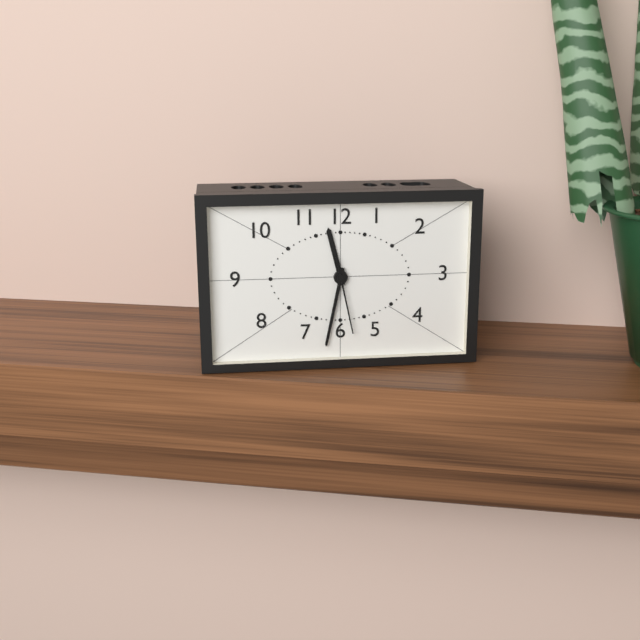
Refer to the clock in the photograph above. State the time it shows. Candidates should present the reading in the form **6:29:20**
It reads **11:32:28**
